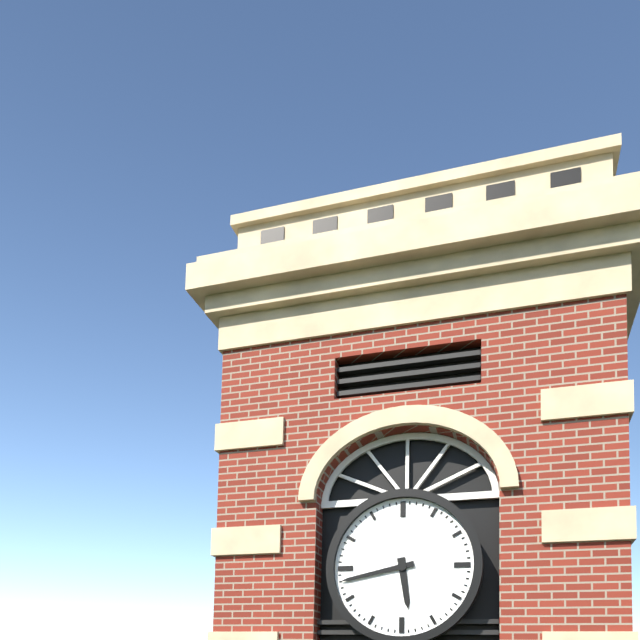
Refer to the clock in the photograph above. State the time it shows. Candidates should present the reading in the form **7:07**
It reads **5:43**
